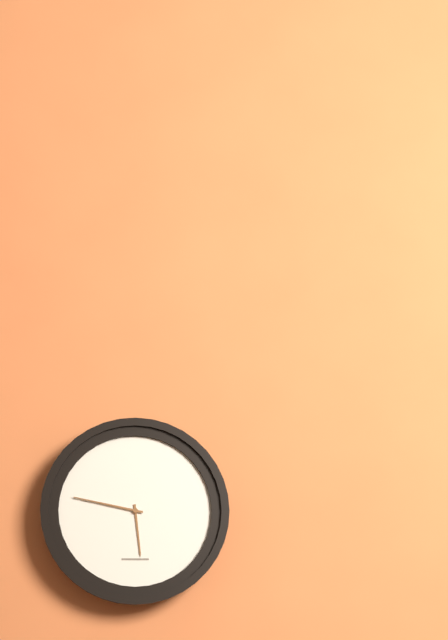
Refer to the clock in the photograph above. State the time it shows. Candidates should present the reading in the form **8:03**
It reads **5:47**
